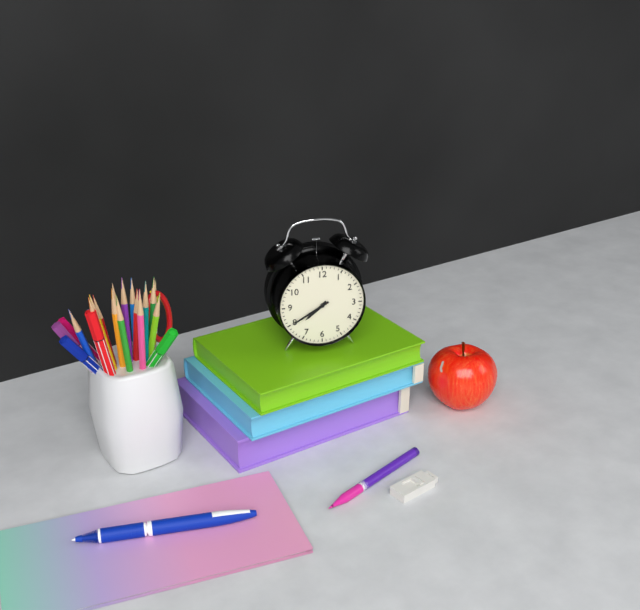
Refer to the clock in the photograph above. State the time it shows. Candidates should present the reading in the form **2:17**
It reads **7:40**
